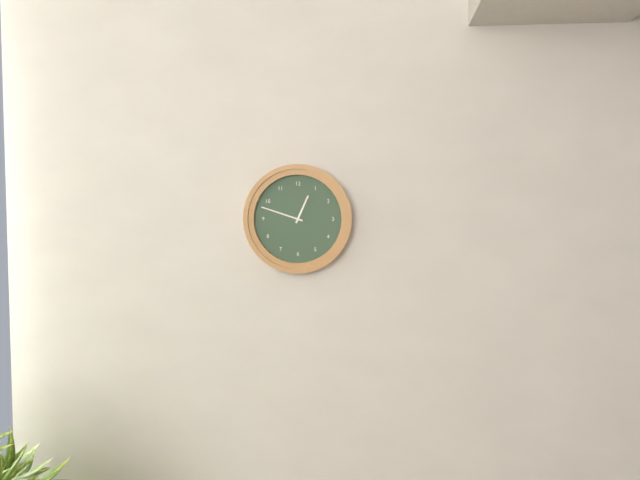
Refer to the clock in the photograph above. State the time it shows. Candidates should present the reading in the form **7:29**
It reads **12:48**
